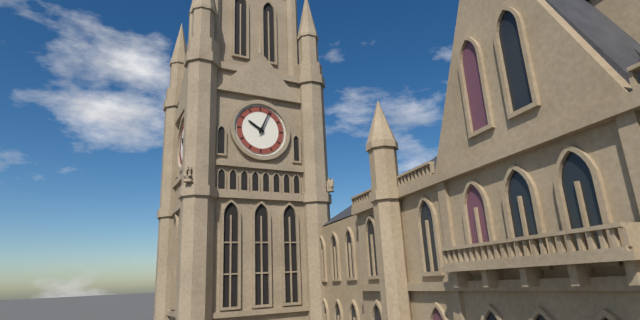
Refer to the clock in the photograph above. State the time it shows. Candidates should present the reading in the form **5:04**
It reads **10:04**
